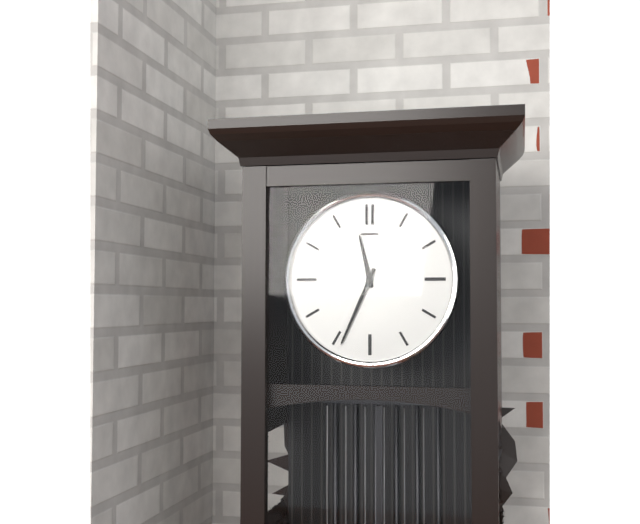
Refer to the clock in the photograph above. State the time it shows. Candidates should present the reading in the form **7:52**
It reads **11:34**
